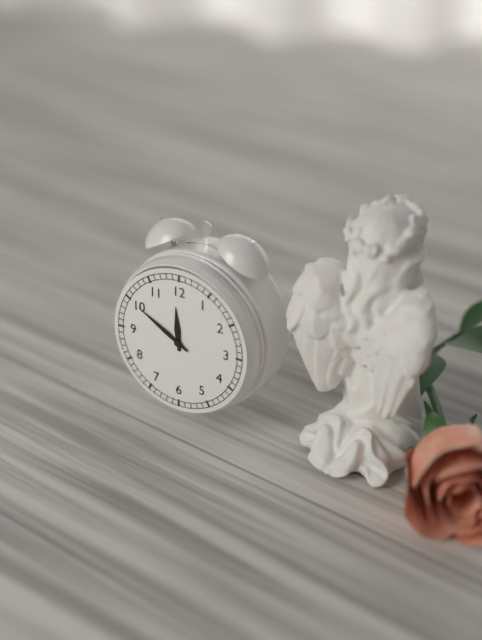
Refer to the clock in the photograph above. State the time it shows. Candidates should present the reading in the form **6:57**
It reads **11:50**
